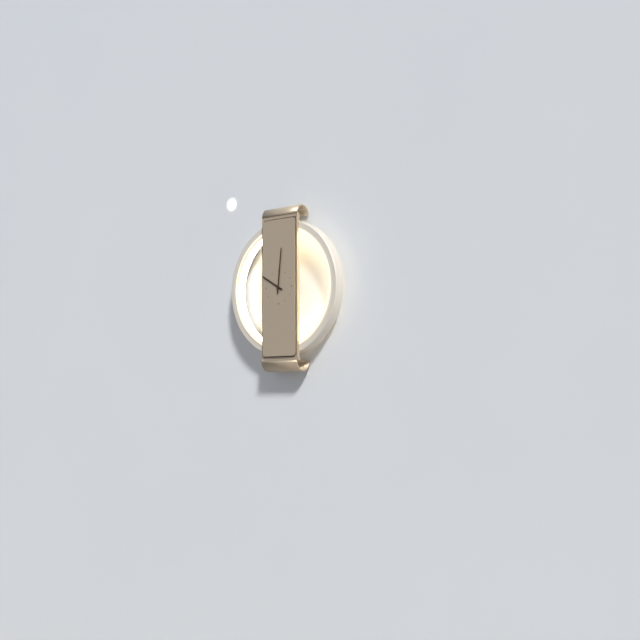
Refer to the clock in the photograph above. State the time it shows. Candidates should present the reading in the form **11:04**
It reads **10:01**
